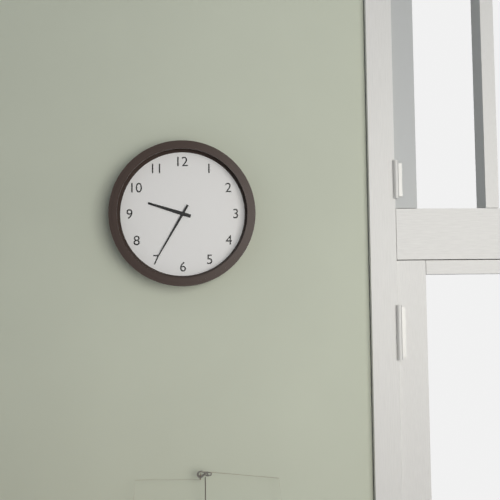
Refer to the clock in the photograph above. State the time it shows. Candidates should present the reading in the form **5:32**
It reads **9:35**
